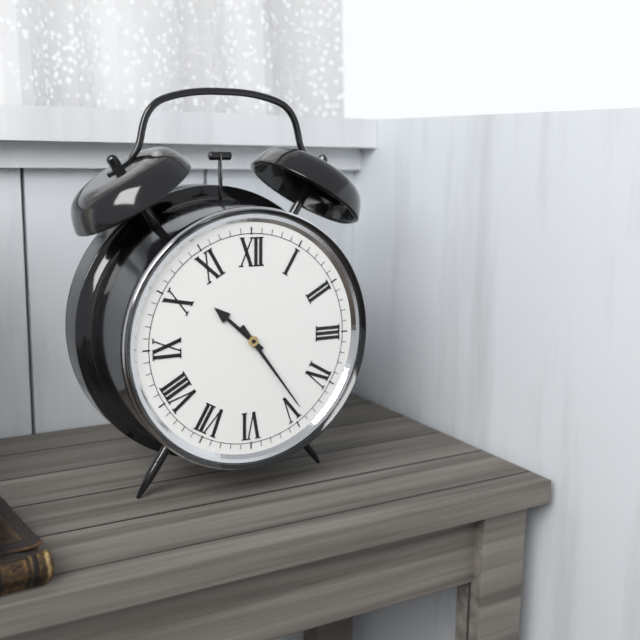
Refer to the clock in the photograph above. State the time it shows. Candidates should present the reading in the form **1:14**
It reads **10:24**
